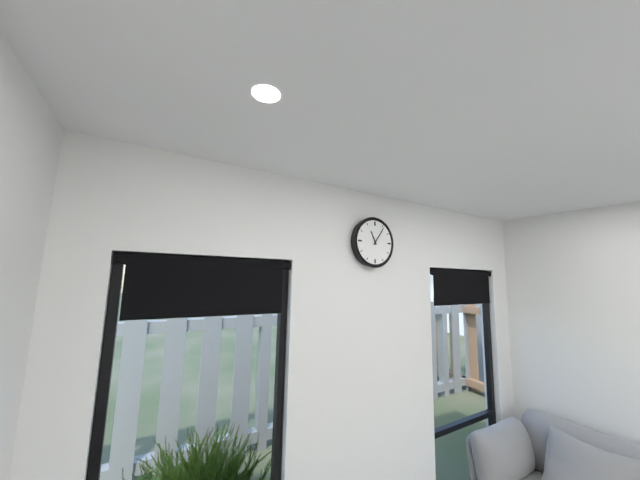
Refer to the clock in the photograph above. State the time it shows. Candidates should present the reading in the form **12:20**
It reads **11:06**
